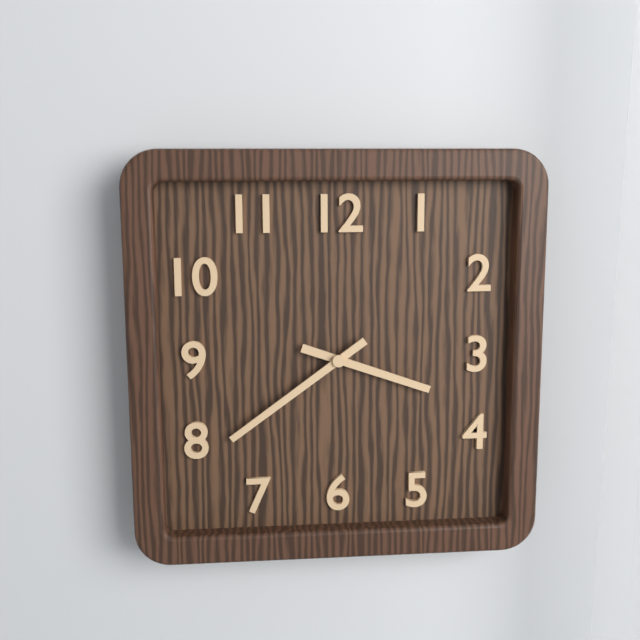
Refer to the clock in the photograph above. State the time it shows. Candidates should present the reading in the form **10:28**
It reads **3:39**
